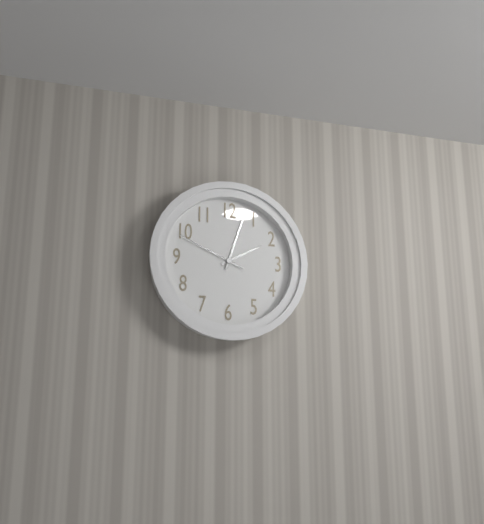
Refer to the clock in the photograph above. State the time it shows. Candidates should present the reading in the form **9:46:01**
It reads **2:03:49**
